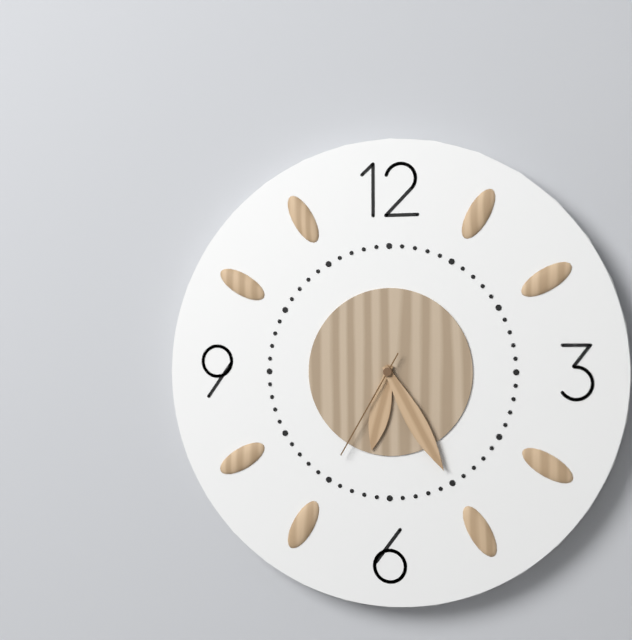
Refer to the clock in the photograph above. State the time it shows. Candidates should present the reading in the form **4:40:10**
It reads **6:25:35**
